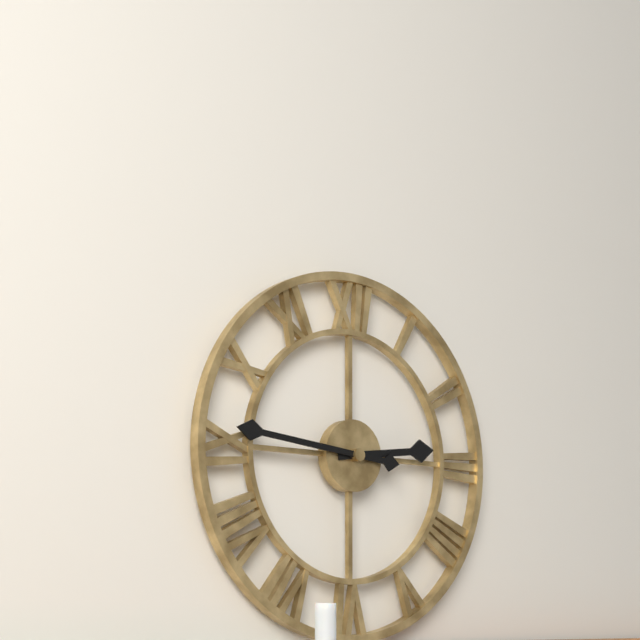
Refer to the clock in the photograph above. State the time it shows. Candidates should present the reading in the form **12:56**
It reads **2:46**
